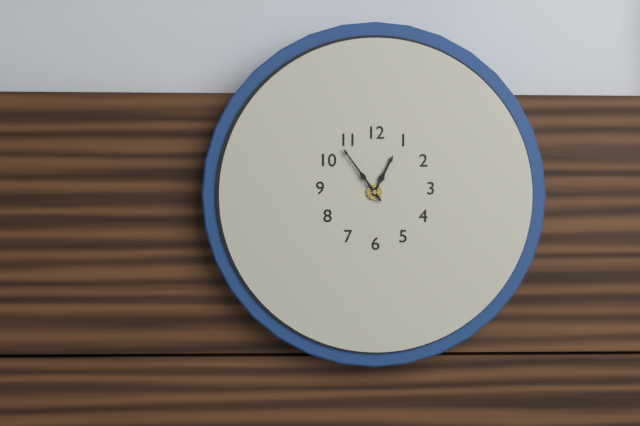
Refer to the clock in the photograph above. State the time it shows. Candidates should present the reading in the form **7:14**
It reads **12:54**
